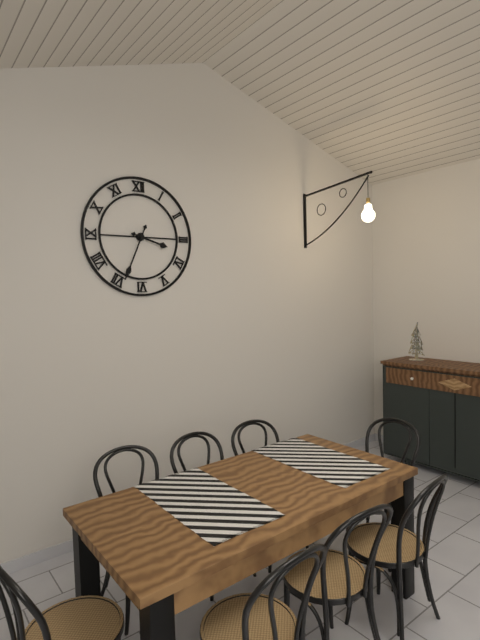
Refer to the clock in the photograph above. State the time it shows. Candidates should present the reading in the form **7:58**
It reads **3:34**
